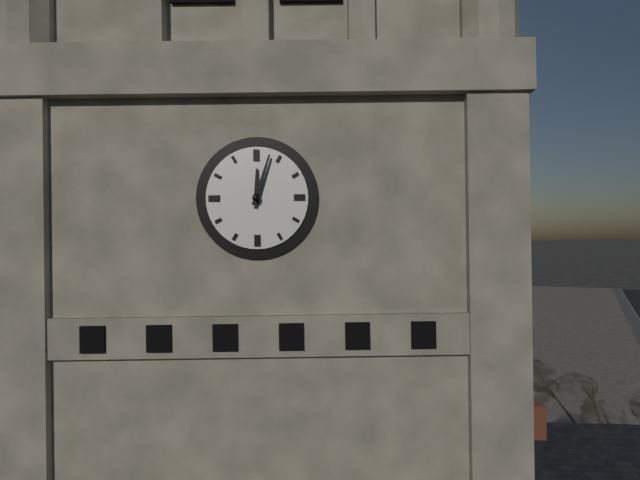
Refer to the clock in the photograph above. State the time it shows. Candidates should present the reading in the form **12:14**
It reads **12:03**
